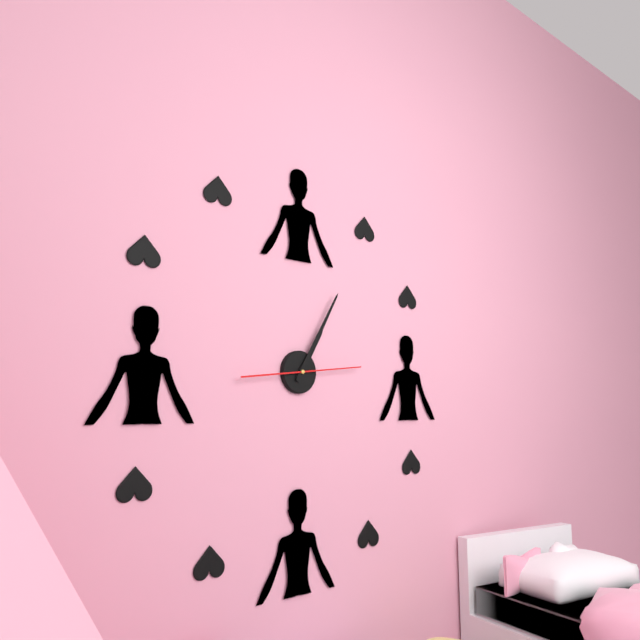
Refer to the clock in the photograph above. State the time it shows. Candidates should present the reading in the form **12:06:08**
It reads **1:05:14**
